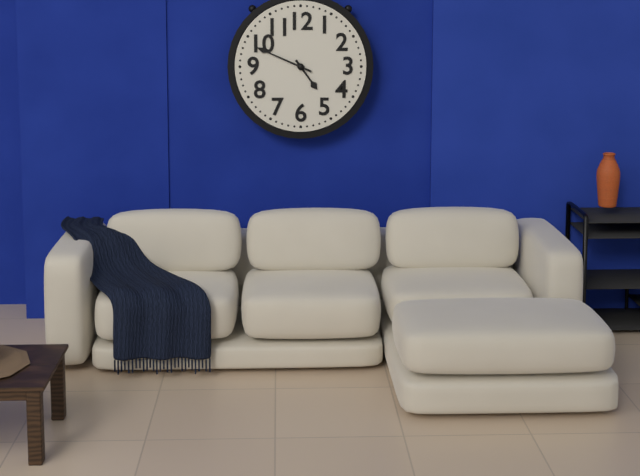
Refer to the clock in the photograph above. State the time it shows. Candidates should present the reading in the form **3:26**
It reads **4:49**
